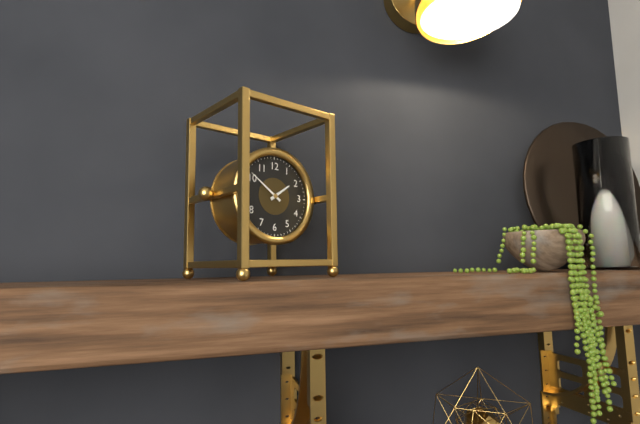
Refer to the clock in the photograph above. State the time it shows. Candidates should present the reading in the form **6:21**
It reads **1:51**
